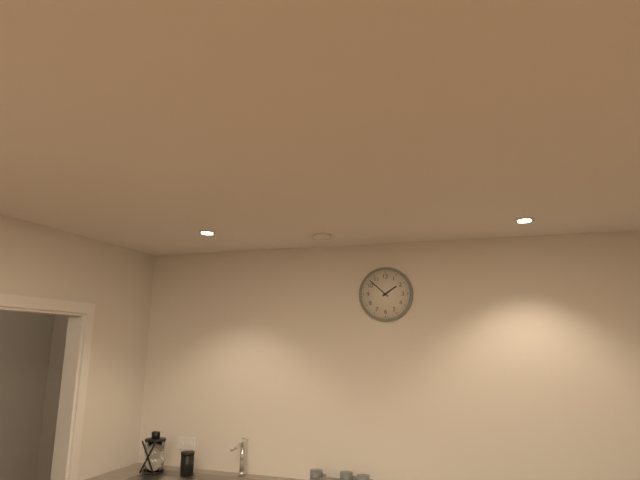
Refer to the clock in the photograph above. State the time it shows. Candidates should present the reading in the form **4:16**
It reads **1:52**
